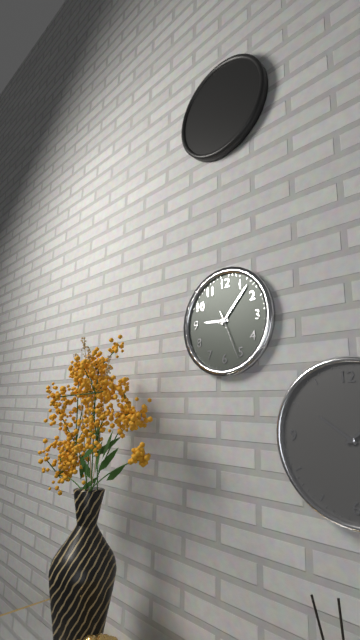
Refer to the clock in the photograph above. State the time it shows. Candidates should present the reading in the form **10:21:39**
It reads **9:07:26**
